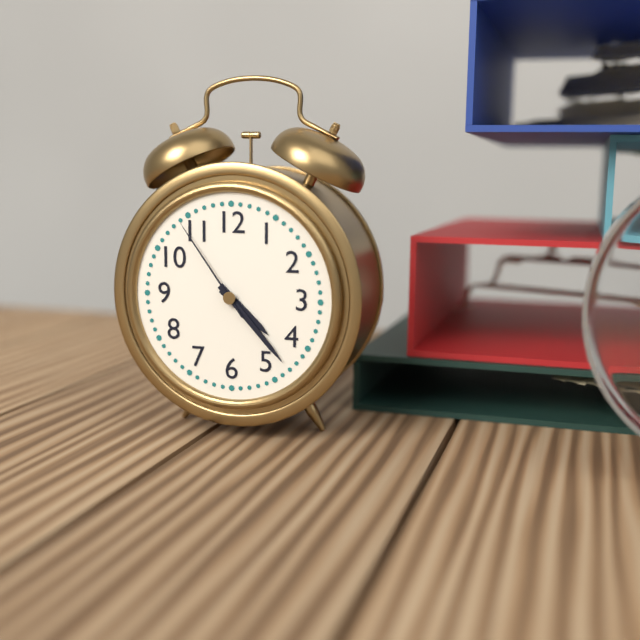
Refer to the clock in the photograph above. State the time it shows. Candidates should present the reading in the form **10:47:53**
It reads **4:23:54**
